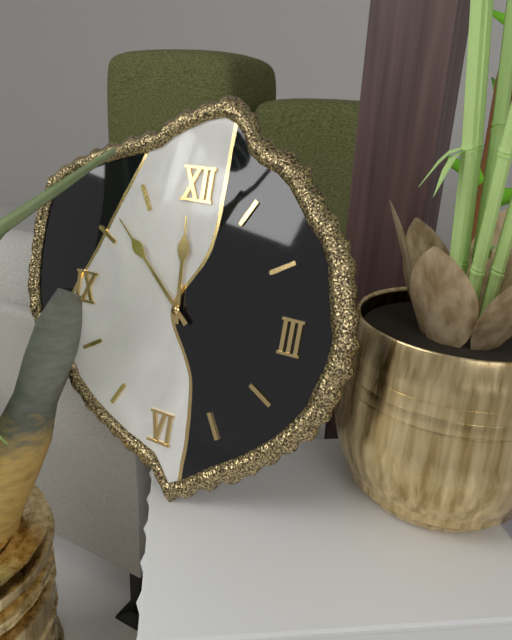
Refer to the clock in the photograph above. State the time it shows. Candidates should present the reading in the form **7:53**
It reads **11:52**
